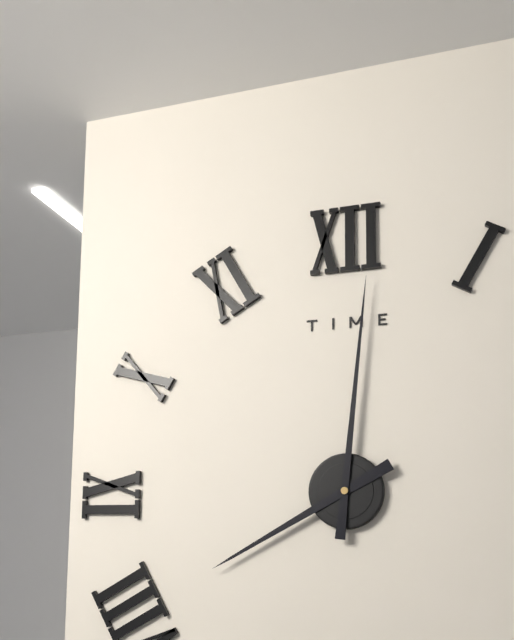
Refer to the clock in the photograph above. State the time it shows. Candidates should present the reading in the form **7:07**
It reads **8:01**
